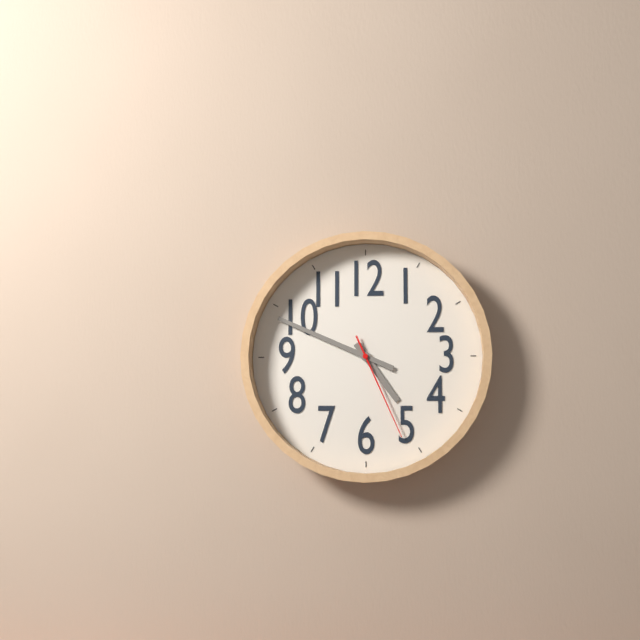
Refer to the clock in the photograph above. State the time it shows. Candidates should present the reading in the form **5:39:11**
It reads **4:49:26**
